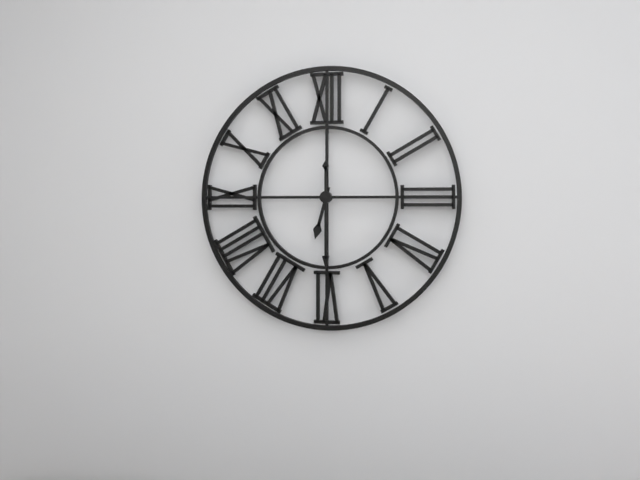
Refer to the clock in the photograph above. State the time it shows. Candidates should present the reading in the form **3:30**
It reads **6:30**
